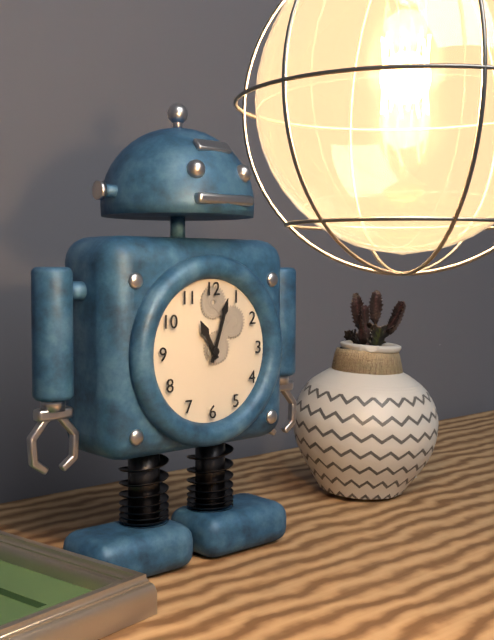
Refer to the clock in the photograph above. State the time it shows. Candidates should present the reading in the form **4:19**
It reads **11:03**
